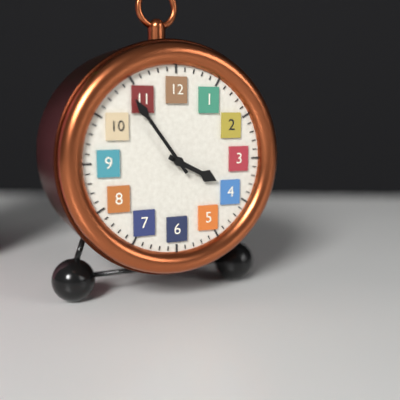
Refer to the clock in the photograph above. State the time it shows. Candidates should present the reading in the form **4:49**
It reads **3:54**
